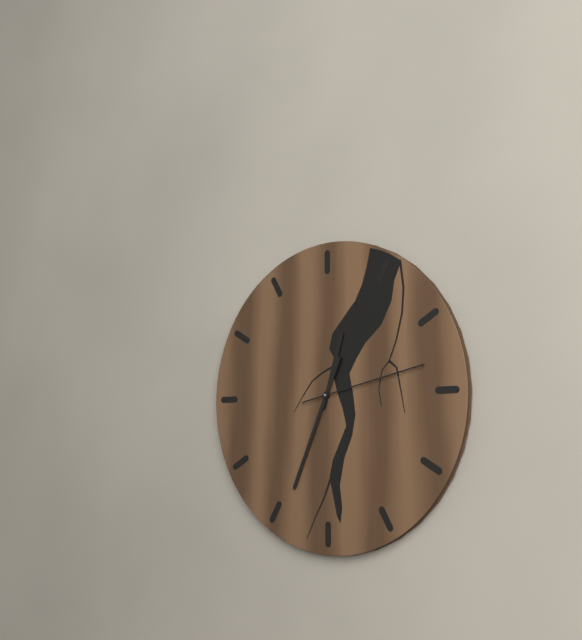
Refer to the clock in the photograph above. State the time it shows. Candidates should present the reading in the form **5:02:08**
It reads **12:34:13**
